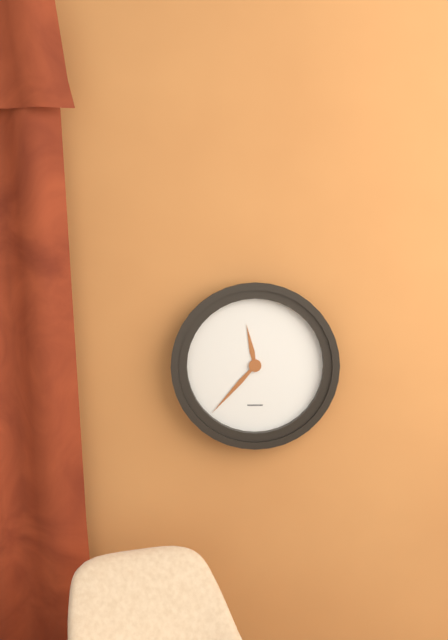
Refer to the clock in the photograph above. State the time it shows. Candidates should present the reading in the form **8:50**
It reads **11:37**
